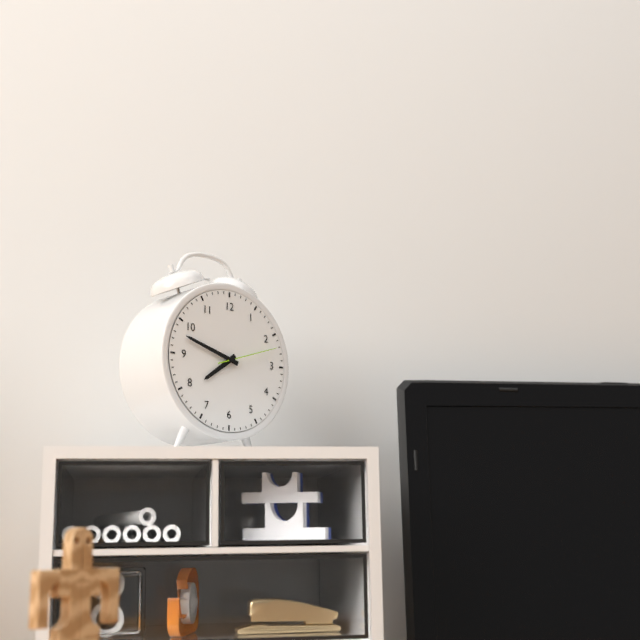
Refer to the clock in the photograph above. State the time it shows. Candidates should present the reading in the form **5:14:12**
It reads **7:48:12**
